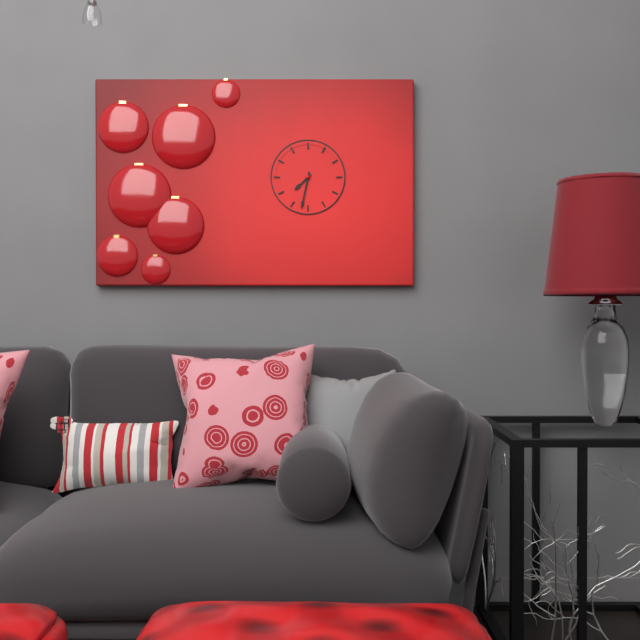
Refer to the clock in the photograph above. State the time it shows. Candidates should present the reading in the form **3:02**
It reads **7:32**
